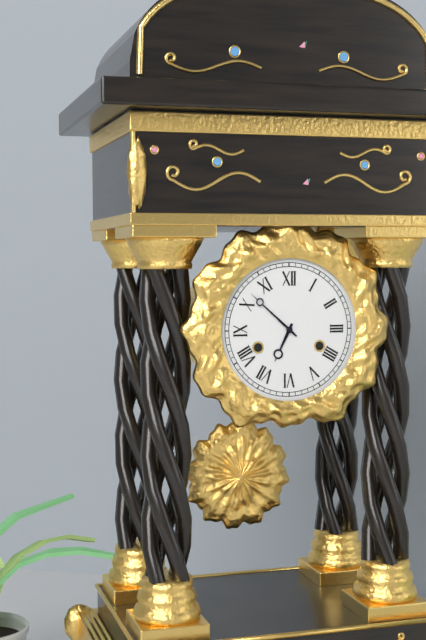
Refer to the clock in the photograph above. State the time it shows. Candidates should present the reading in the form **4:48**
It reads **6:52**
